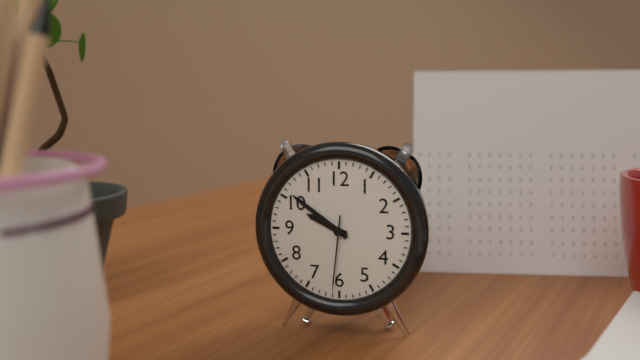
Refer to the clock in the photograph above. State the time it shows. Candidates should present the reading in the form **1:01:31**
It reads **9:51:31**
